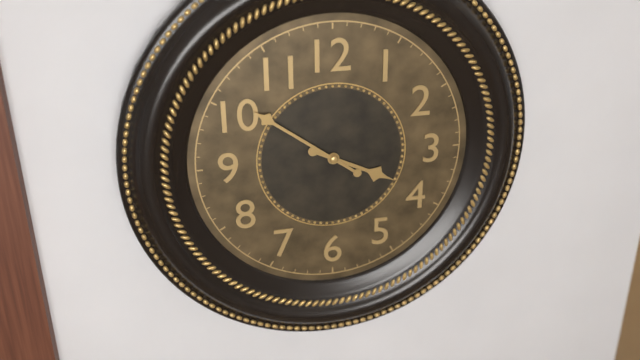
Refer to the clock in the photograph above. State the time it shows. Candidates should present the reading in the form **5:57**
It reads **3:51**
